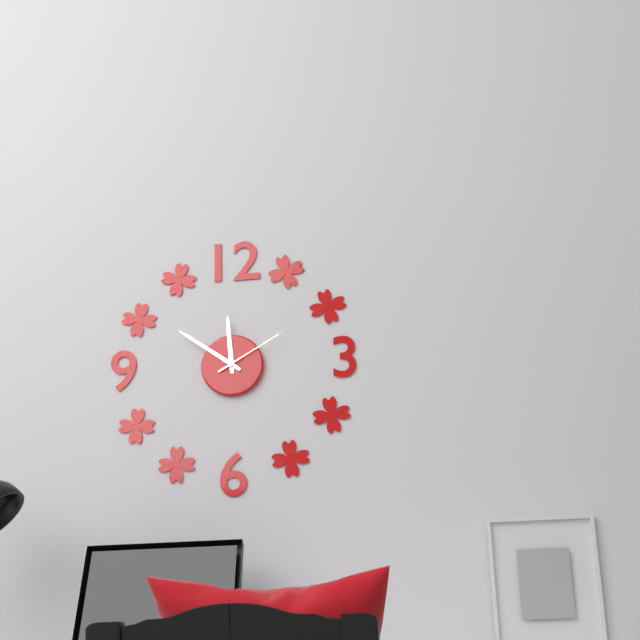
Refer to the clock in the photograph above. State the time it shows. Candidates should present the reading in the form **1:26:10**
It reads **11:51:10**
